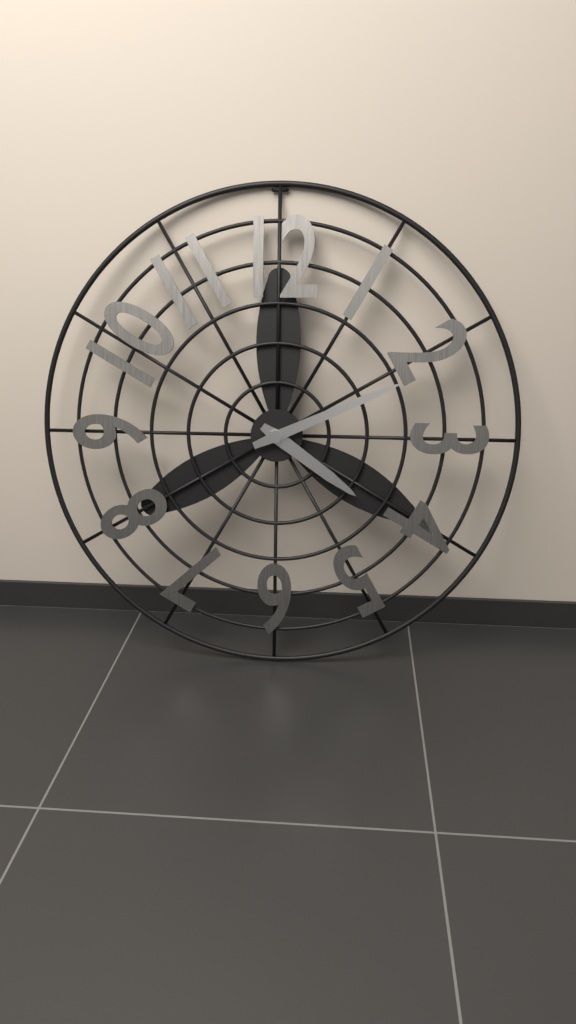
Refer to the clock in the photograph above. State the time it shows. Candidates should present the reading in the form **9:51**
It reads **4:11**
